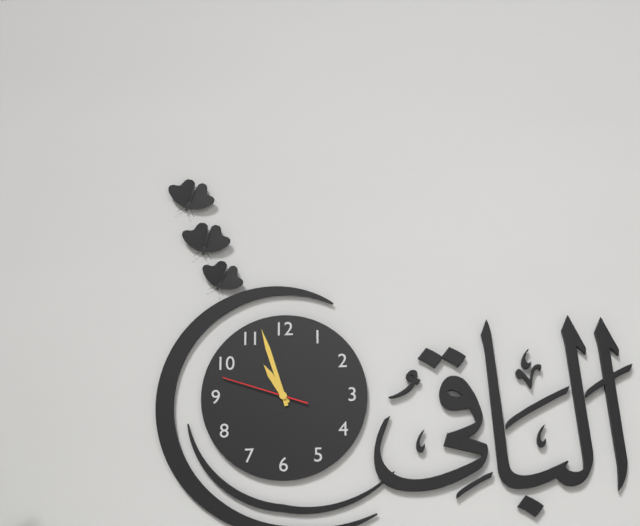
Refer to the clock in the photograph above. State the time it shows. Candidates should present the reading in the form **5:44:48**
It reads **10:57:48**
